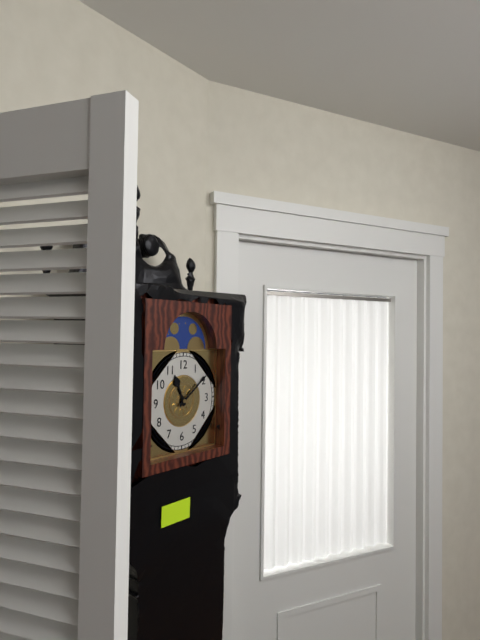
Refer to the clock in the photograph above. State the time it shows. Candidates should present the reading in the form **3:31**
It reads **11:09**
